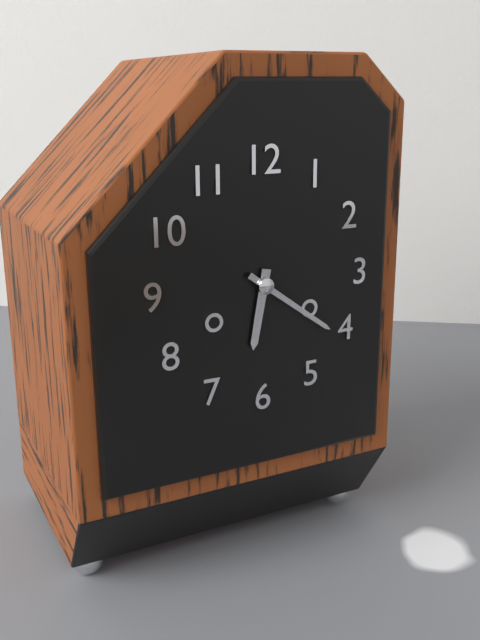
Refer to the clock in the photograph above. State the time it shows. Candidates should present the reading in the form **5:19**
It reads **6:21**
